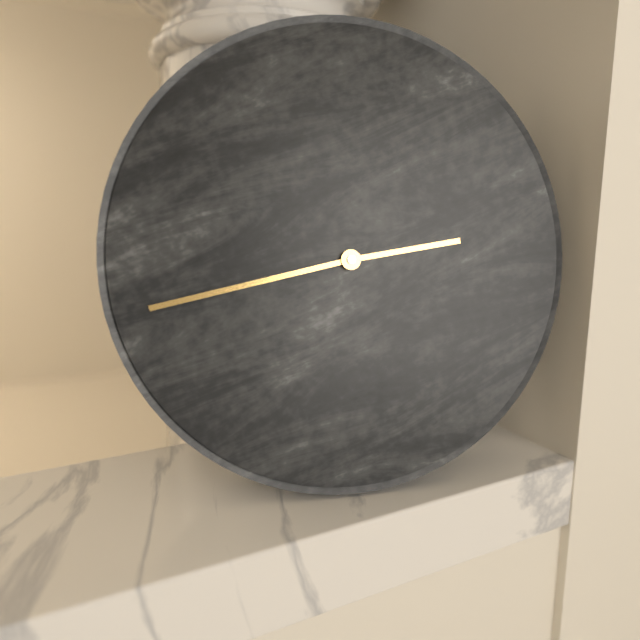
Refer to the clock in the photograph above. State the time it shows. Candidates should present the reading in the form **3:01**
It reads **2:43**
